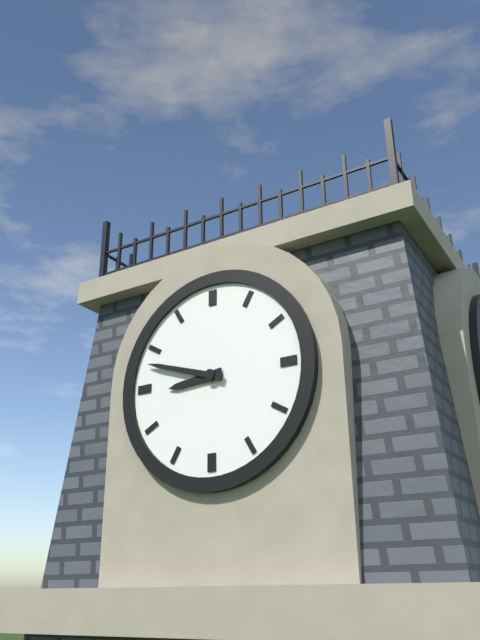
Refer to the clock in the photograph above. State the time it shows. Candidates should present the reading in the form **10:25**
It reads **8:48**
